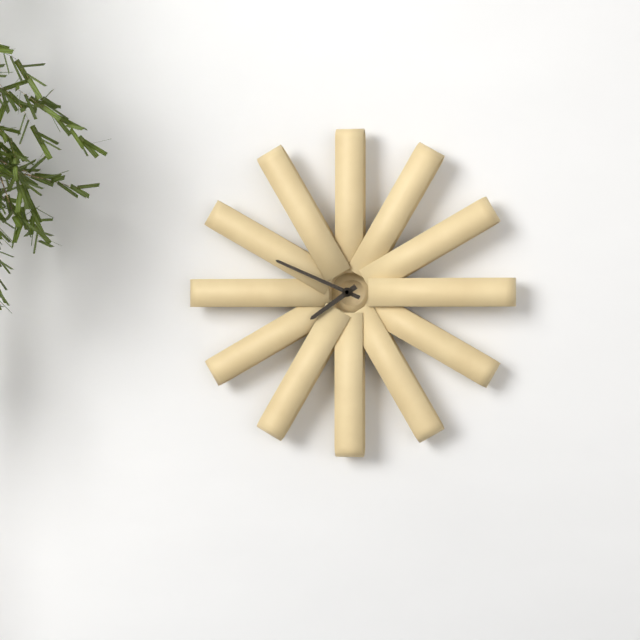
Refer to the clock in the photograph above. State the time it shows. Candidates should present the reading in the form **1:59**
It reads **7:49**
